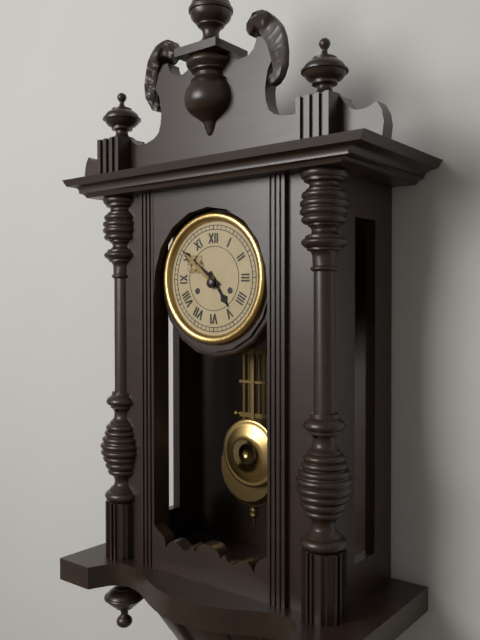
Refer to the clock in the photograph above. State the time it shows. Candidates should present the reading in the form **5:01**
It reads **4:51**
